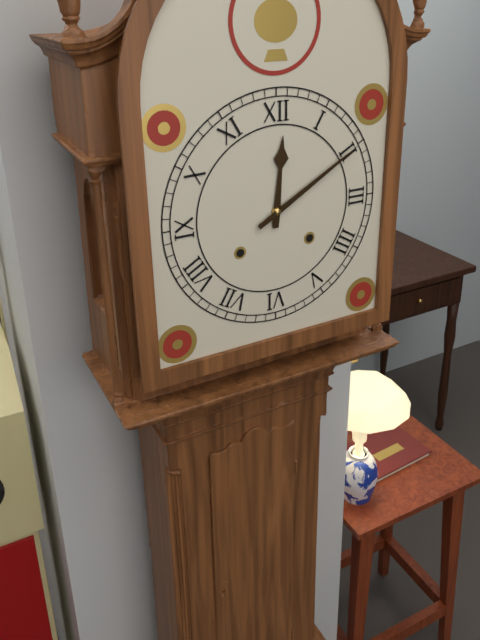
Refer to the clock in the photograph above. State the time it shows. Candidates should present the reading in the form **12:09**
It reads **12:10**
